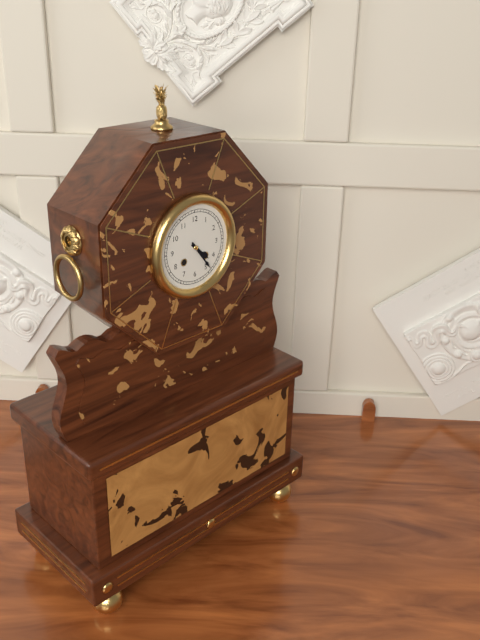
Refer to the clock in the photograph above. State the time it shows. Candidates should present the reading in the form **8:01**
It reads **4:24**
